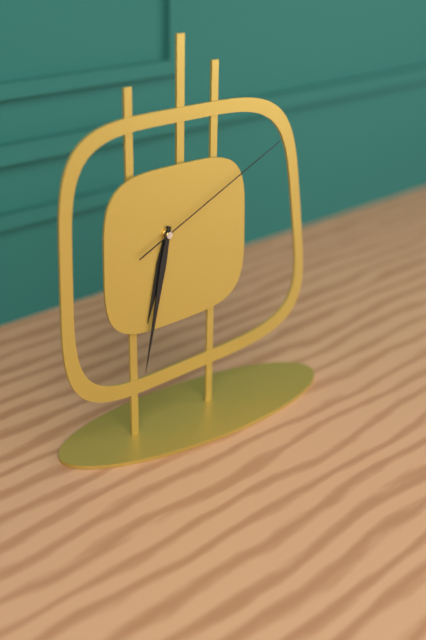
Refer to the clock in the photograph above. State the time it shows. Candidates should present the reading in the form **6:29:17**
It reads **6:32:11**
